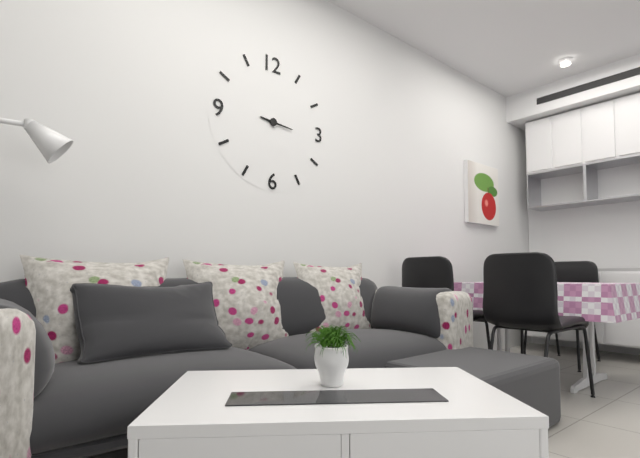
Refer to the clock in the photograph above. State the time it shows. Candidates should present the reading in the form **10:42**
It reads **9:16**
